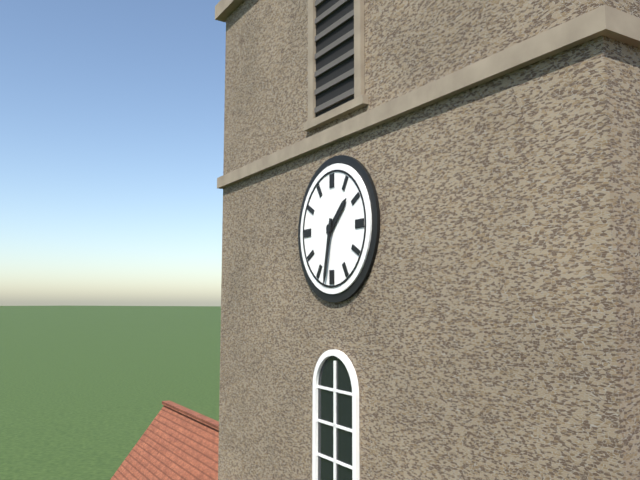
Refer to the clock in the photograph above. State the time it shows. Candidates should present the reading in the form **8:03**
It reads **1:32**
